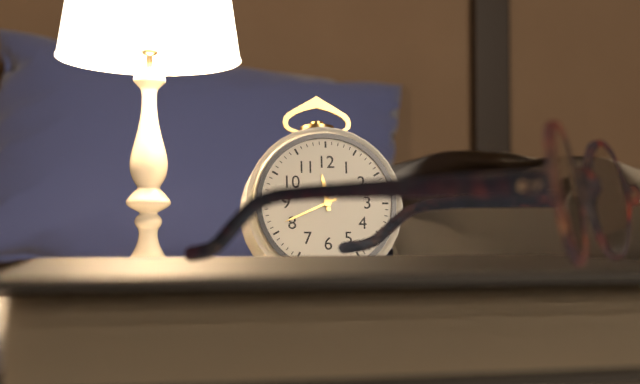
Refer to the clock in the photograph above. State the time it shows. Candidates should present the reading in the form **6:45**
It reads **11:41**
